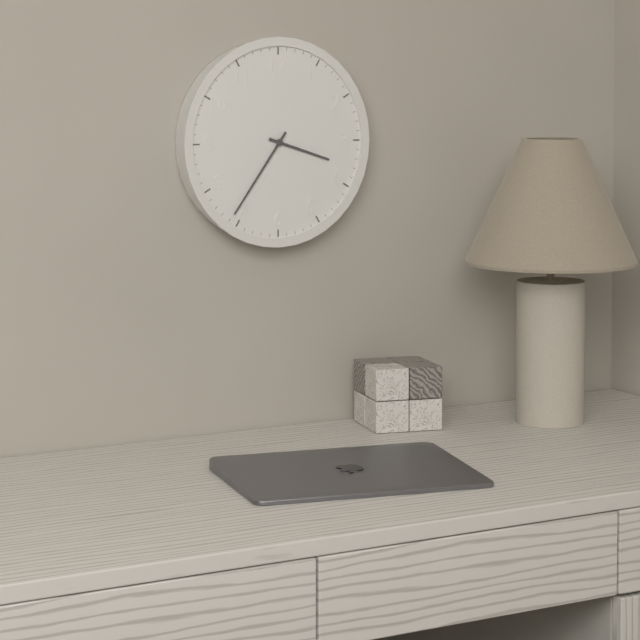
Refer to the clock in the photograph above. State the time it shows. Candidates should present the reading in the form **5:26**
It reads **3:36**
